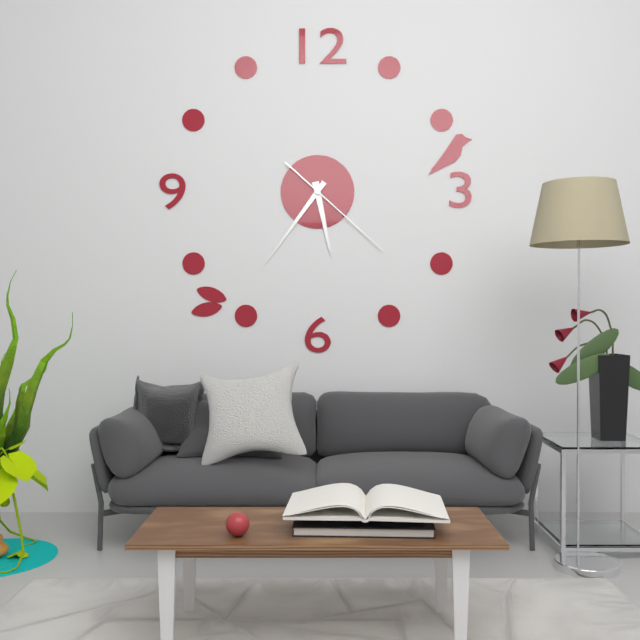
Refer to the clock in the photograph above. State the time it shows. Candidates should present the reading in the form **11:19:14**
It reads **5:36:22**
